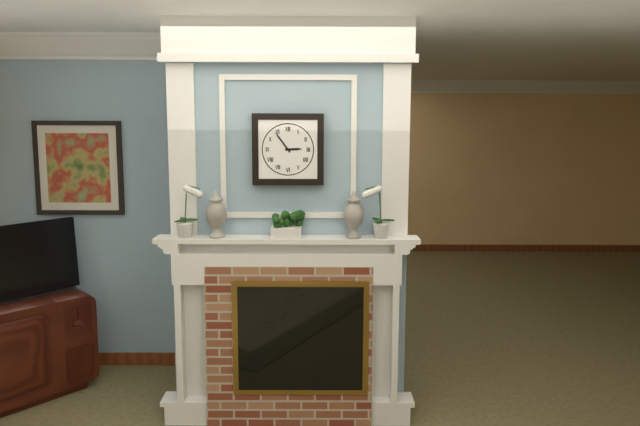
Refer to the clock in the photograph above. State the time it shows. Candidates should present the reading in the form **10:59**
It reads **2:54**
